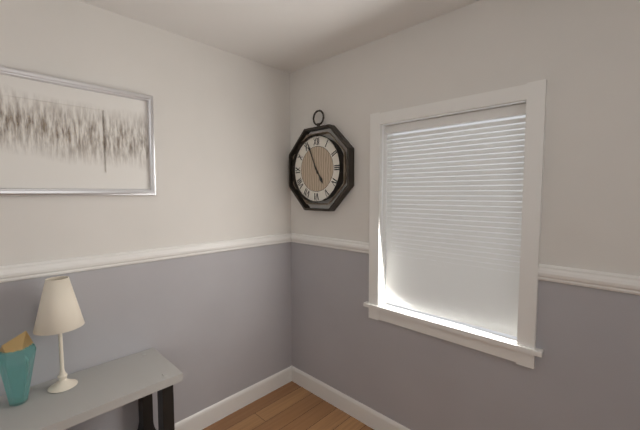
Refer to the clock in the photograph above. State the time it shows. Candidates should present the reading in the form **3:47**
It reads **4:56**
